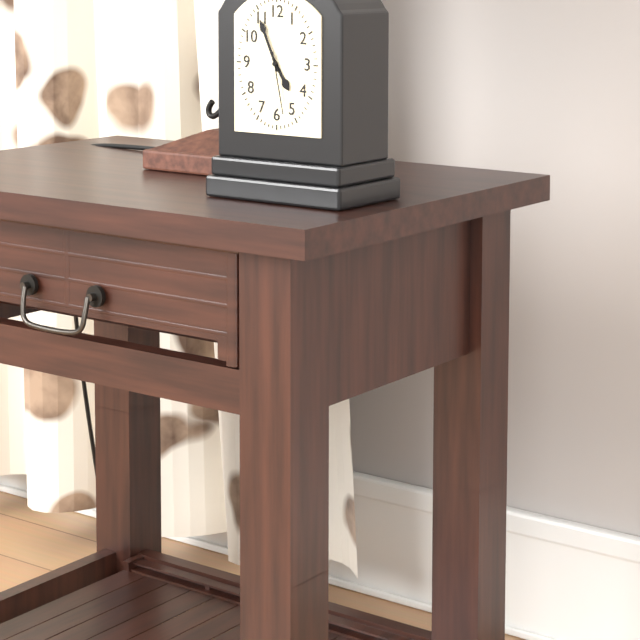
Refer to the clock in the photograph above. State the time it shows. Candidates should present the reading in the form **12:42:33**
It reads **4:56:28**
